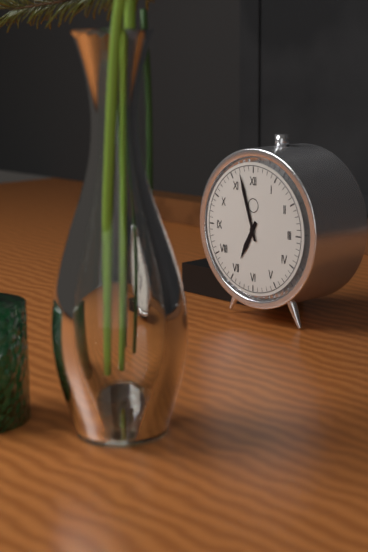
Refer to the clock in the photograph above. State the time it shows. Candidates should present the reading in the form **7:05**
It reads **6:57**
